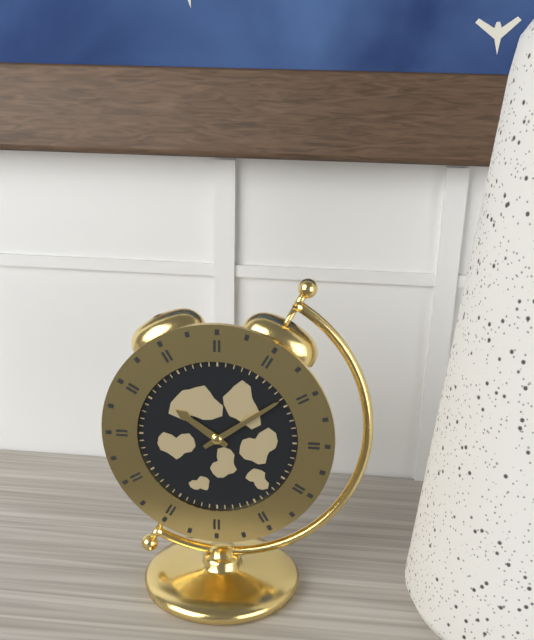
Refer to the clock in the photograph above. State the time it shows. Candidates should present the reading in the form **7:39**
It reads **10:09**
